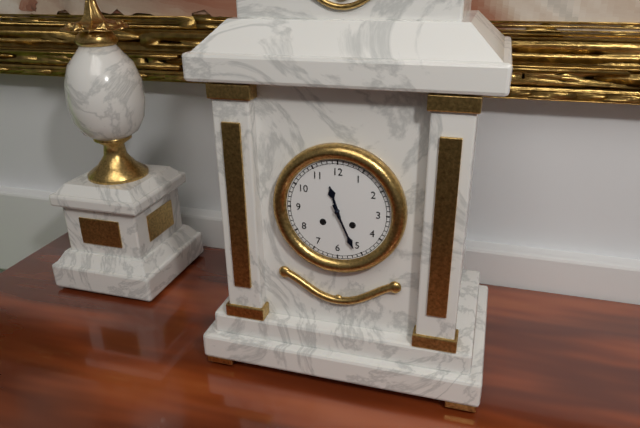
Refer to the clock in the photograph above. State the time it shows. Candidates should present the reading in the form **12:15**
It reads **11:26**
